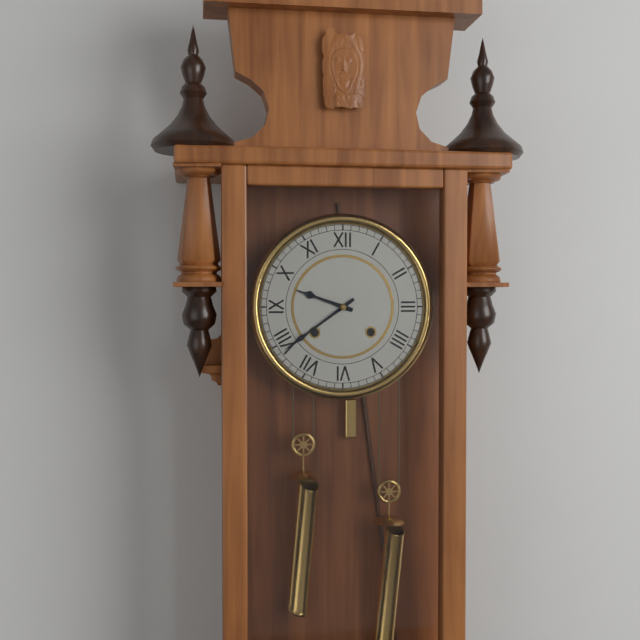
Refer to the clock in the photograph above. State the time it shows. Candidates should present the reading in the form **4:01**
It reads **9:39**
